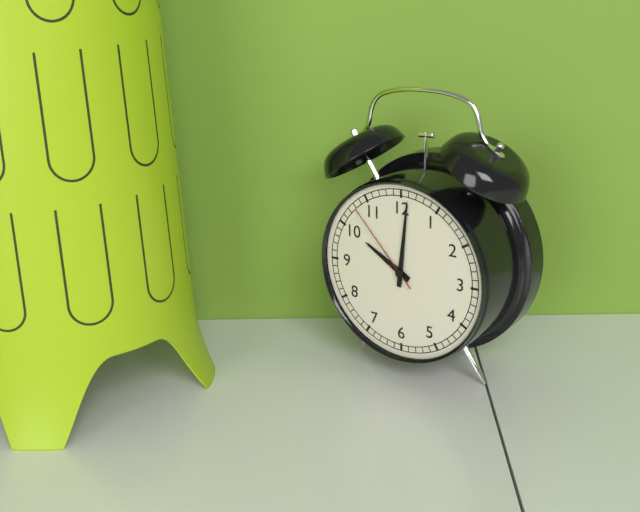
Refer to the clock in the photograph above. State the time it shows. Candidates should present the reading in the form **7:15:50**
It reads **10:01:53**
